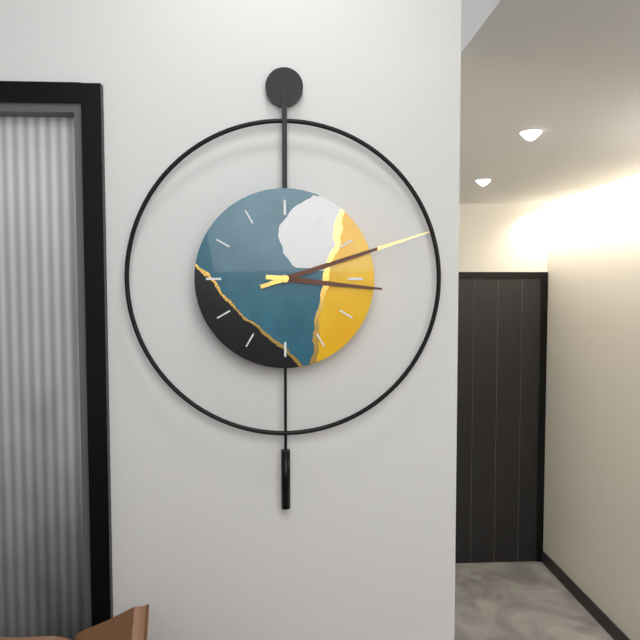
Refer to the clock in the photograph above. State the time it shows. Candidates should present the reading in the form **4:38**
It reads **3:12**
